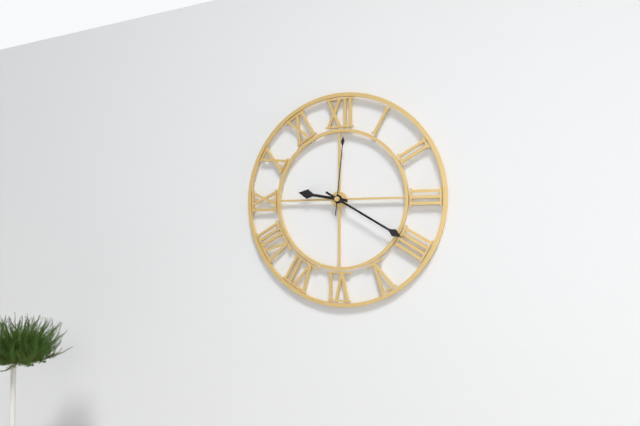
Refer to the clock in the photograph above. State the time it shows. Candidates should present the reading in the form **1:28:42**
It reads **9:20:01**
